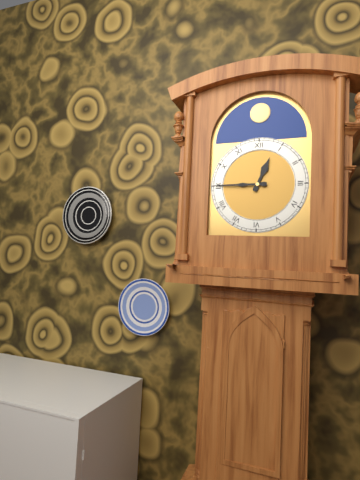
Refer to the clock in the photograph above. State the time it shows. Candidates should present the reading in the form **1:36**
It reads **12:45**
